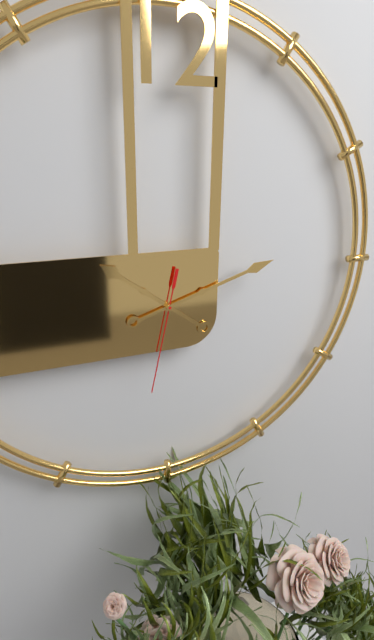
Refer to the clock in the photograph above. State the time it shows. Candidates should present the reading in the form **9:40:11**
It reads **10:12:32**
